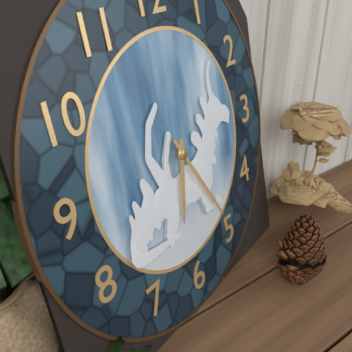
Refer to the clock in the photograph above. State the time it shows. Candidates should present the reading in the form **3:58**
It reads **6:25**
